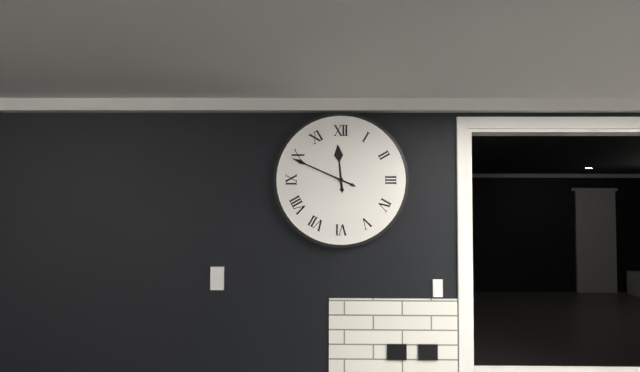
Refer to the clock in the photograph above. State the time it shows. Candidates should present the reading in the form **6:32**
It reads **11:49**
